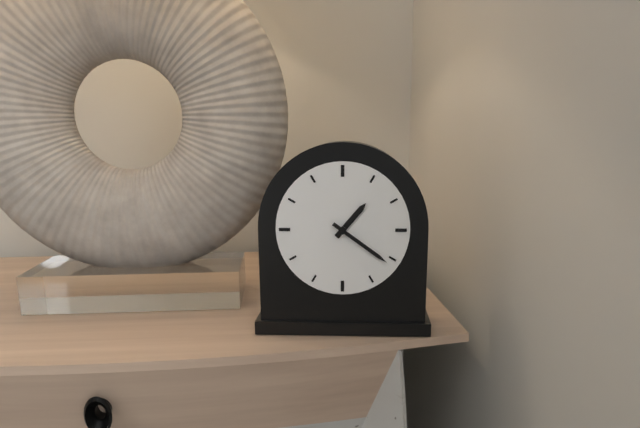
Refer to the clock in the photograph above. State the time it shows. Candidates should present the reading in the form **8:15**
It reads **1:21**
